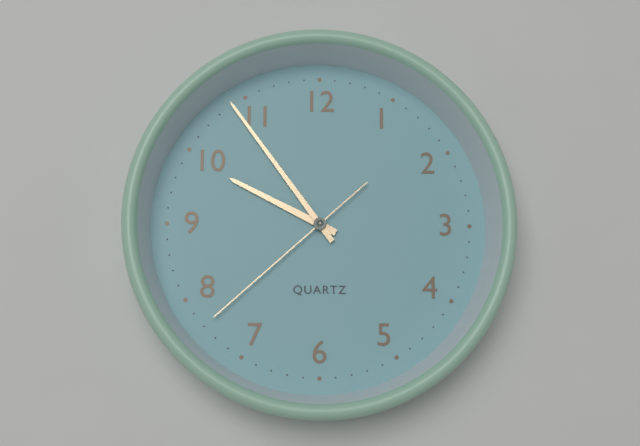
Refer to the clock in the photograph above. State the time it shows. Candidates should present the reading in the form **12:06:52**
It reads **9:54:38**
